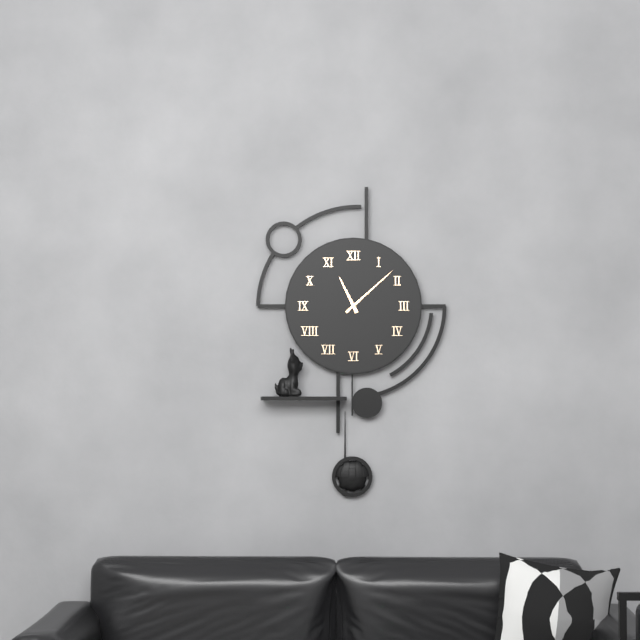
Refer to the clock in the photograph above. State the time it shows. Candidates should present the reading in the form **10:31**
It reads **11:08**
